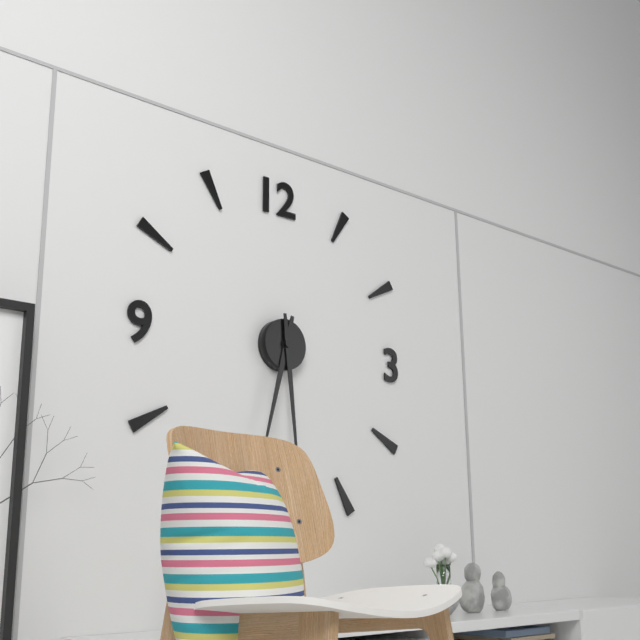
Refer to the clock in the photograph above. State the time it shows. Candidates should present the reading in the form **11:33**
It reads **6:29**
